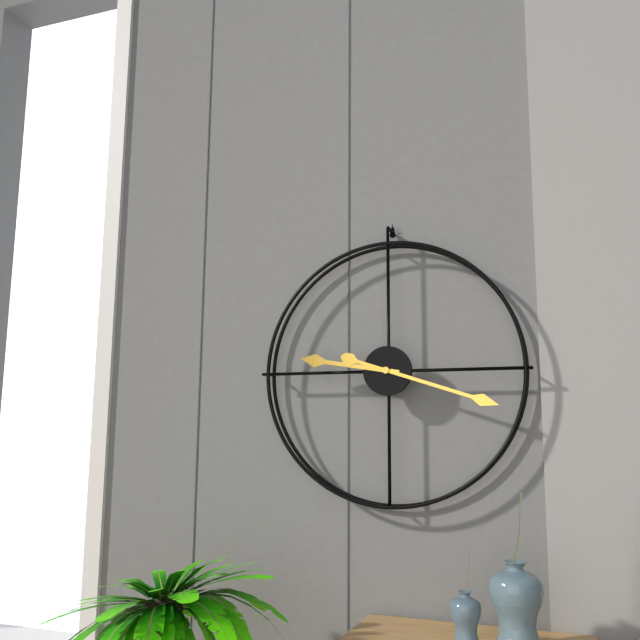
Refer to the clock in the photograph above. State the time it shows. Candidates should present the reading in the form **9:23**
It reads **9:18**
